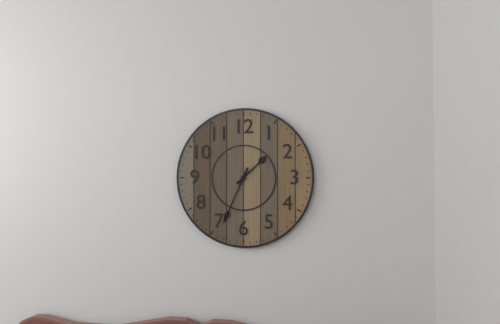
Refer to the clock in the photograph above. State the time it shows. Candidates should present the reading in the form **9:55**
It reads **1:34**
